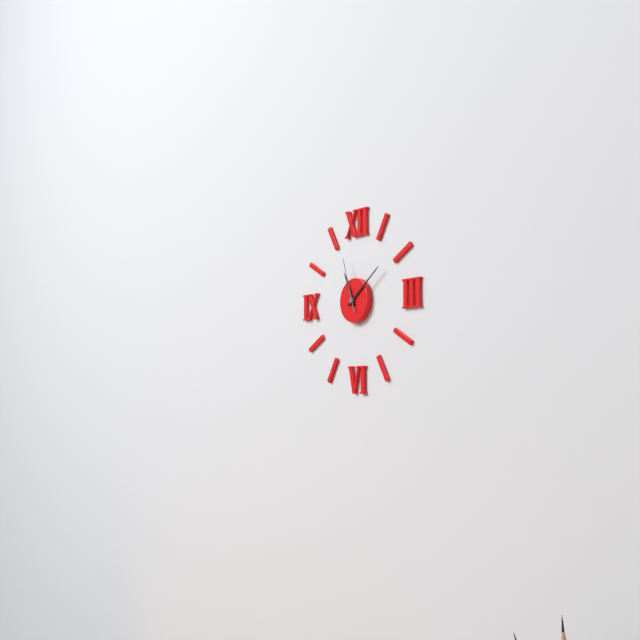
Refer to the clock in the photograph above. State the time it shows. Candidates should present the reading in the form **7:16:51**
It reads **11:09:57**
